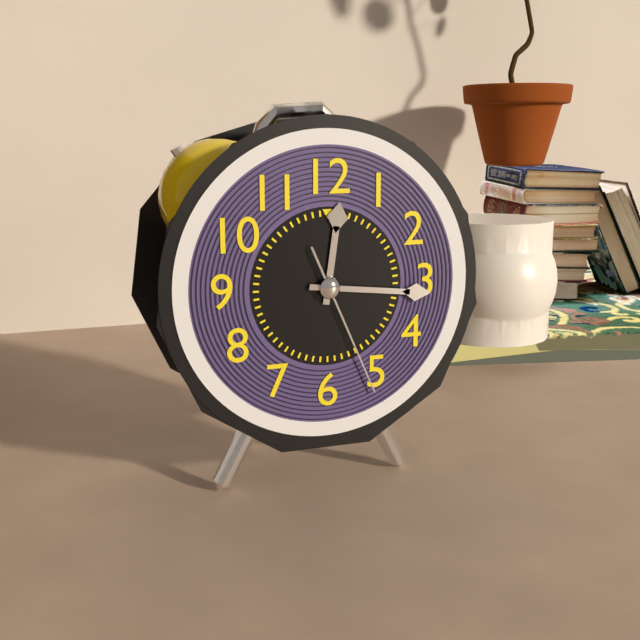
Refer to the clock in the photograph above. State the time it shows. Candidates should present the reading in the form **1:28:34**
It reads **12:16:26**
